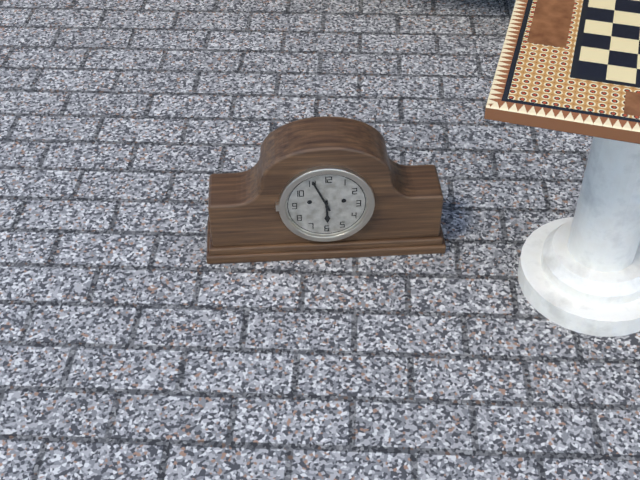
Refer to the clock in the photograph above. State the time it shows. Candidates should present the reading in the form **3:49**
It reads **5:56**
